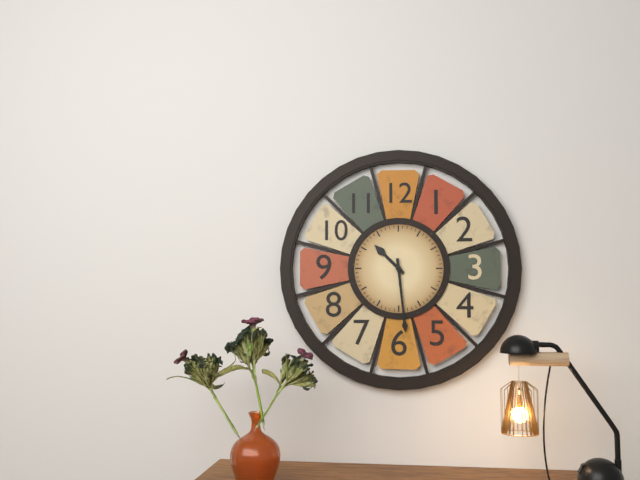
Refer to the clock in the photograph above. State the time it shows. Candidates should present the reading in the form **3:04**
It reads **10:29**
